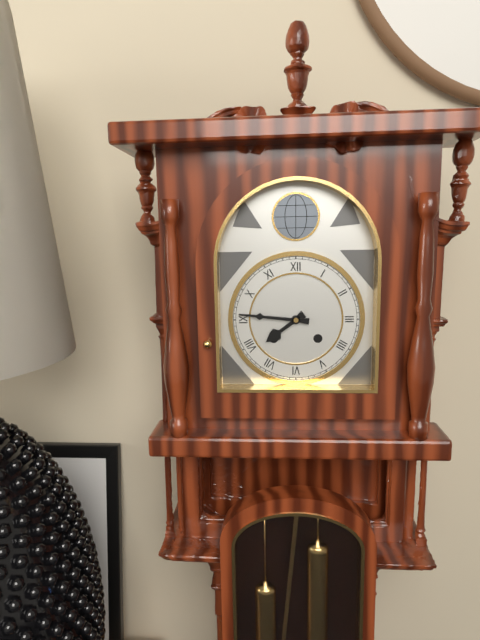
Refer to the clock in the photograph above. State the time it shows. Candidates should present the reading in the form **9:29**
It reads **7:46**
